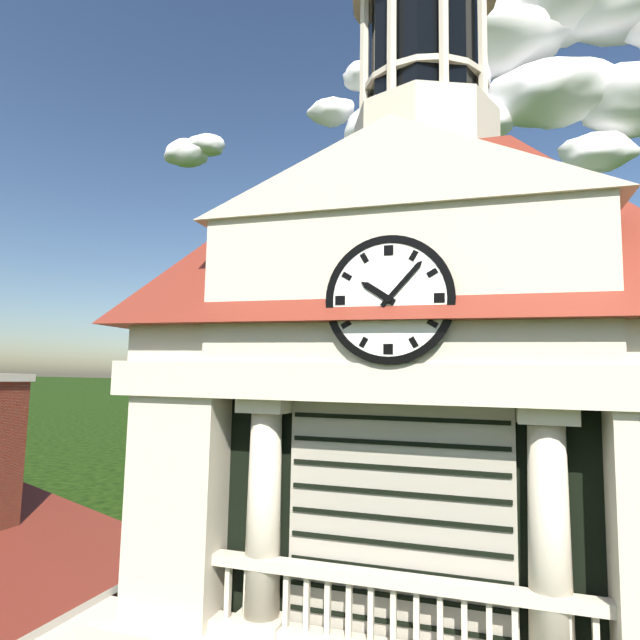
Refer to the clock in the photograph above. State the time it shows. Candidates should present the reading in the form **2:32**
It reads **10:07**
